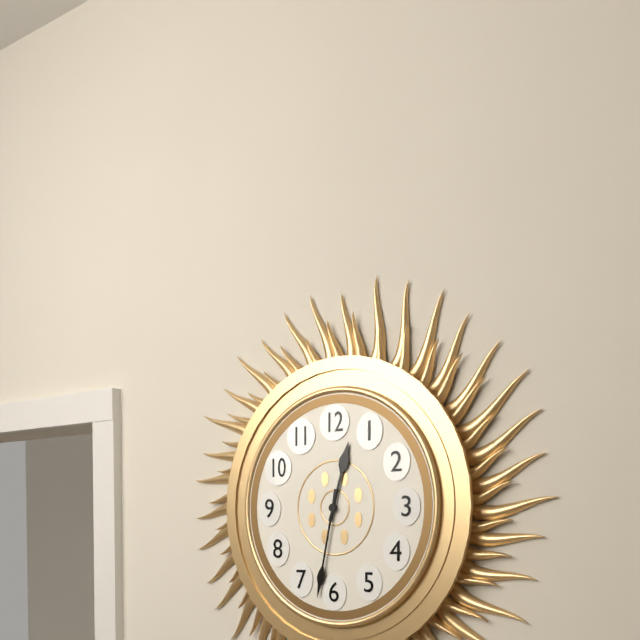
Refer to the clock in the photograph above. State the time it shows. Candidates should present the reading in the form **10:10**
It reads **12:32**
